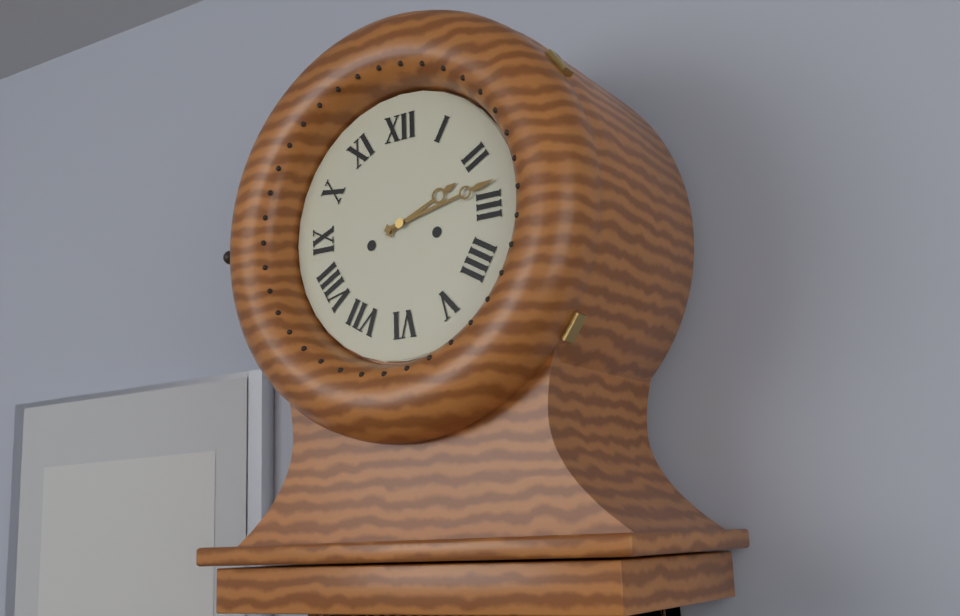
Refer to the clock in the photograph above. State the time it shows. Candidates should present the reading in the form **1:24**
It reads **2:13**
